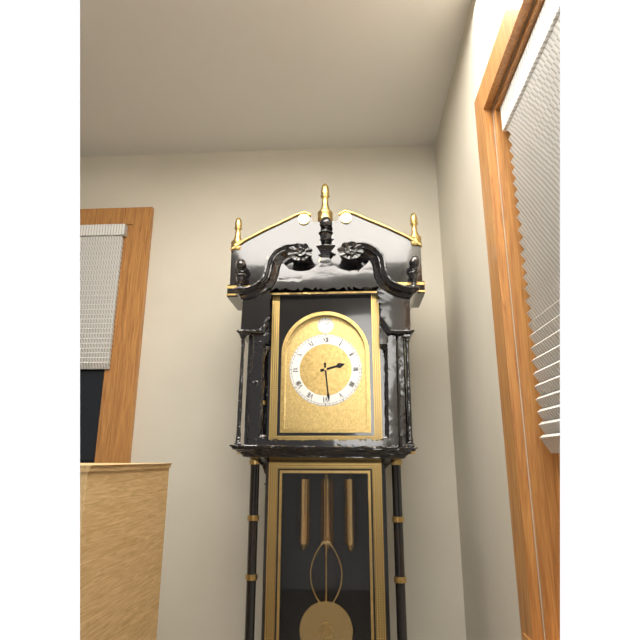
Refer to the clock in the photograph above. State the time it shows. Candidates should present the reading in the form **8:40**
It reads **2:29**
